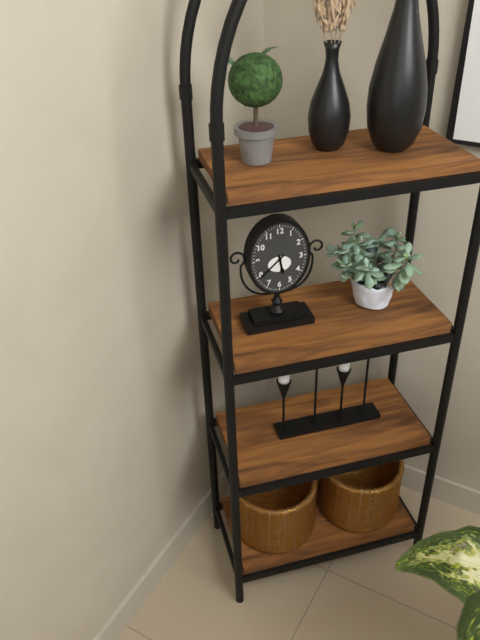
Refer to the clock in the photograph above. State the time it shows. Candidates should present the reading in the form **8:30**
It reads **5:38**
